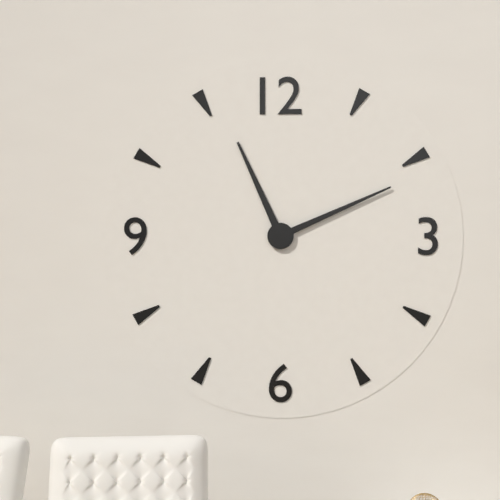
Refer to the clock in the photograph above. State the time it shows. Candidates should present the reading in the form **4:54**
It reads **11:11**
